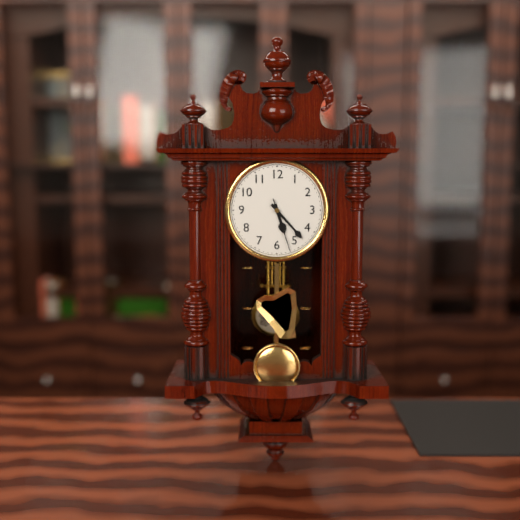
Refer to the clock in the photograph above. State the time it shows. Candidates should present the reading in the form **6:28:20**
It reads **5:23:27**
